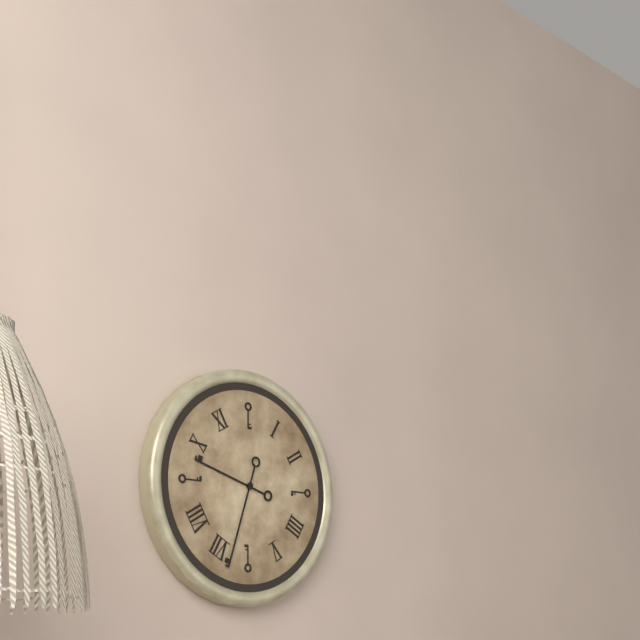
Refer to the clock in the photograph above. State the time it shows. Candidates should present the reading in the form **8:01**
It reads **9:33**
